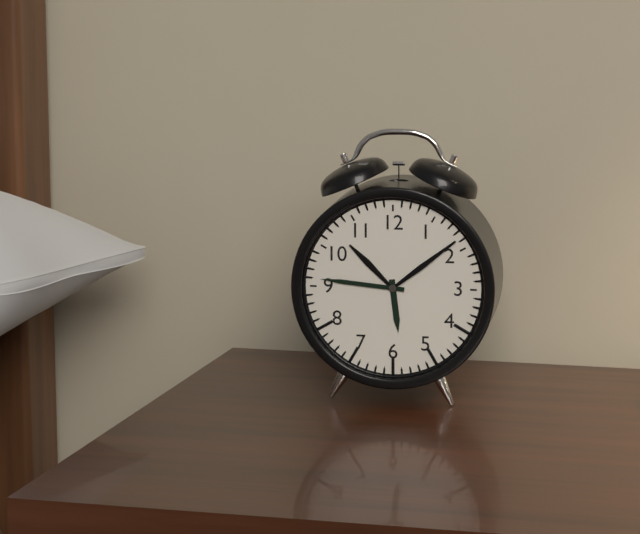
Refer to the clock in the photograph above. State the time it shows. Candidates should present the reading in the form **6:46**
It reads **5:46**
